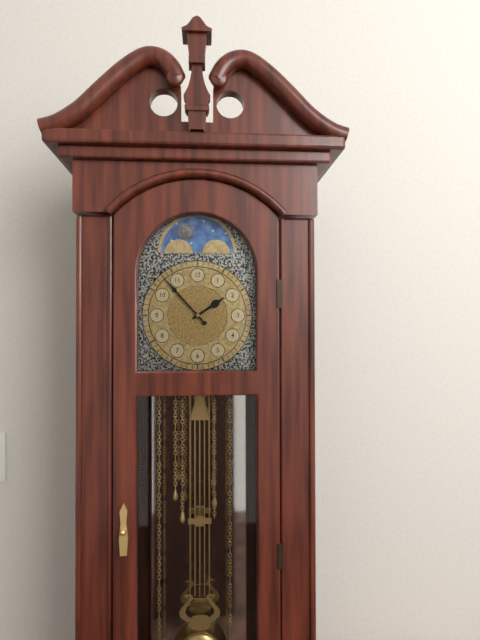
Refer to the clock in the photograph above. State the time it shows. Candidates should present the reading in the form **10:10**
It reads **1:53**
